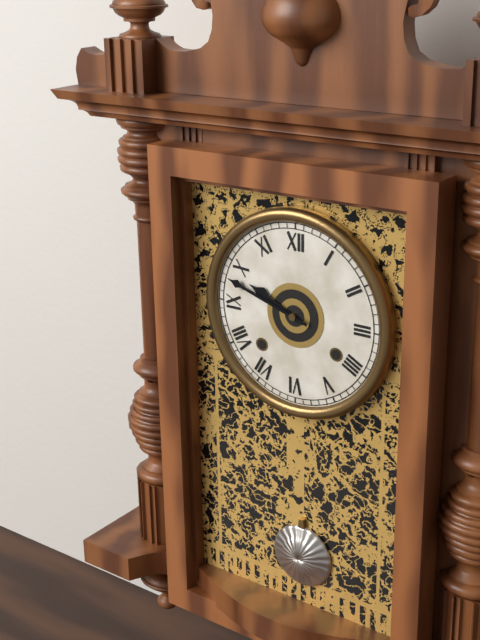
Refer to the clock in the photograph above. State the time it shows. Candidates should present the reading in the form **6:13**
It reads **9:48**
